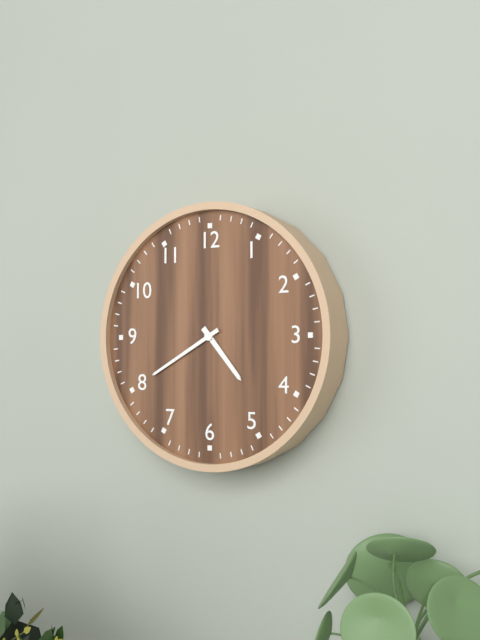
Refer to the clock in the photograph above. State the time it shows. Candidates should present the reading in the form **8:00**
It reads **4:40**
